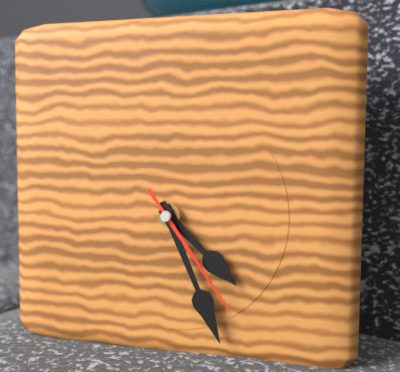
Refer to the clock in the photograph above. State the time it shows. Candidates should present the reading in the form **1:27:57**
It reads **4:26:24**
